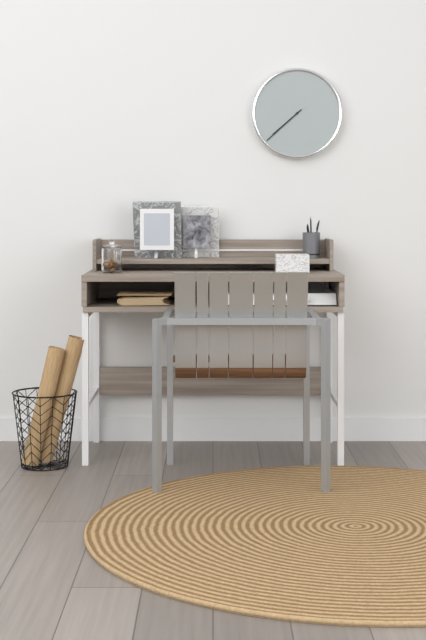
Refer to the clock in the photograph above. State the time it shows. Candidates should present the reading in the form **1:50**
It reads **7:38**
